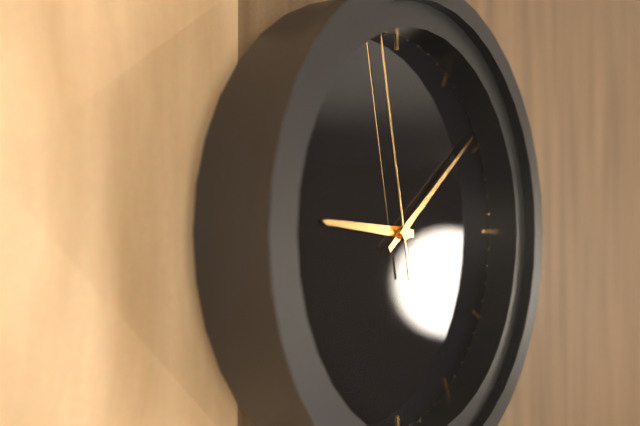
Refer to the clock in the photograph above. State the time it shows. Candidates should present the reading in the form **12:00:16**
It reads **9:09:58**
